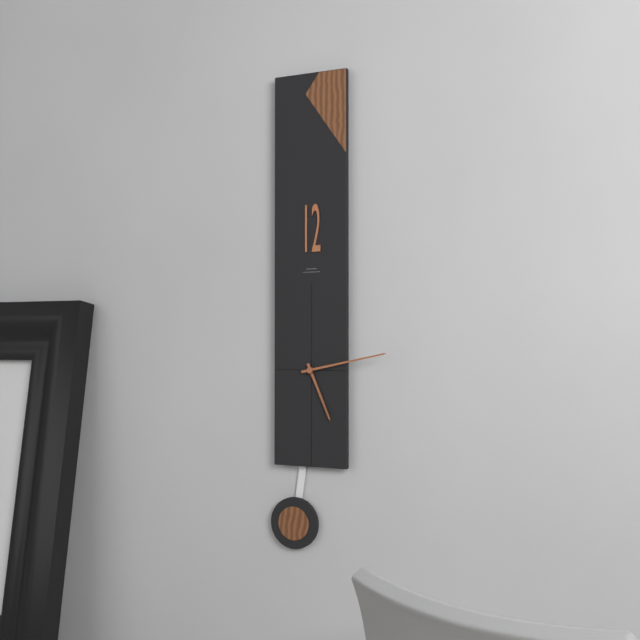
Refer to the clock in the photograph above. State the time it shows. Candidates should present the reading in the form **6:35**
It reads **5:13**
